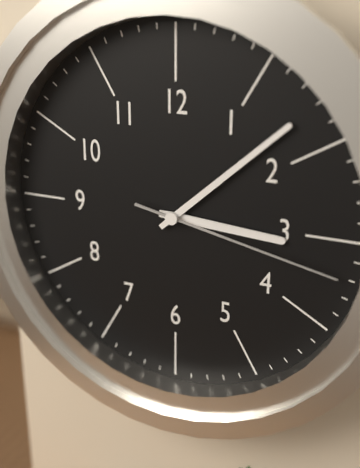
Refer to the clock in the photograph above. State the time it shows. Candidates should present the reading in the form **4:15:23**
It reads **3:08:17**
